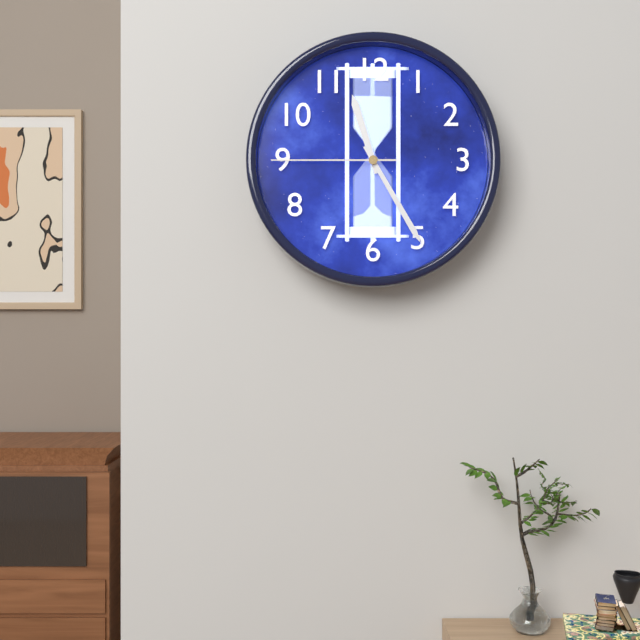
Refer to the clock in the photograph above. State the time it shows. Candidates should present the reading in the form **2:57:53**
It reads **11:25:45**
